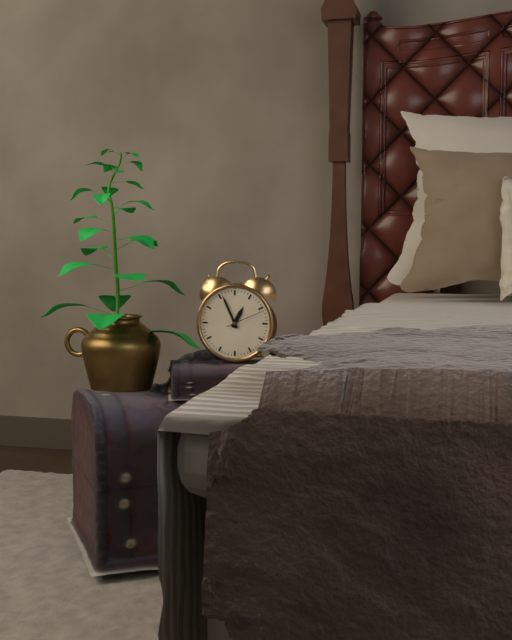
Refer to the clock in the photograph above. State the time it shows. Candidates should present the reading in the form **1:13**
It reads **12:56**
